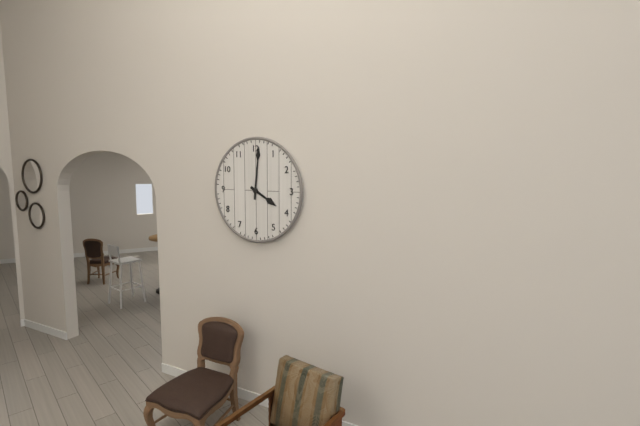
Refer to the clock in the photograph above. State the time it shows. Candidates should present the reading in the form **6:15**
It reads **4:01**
